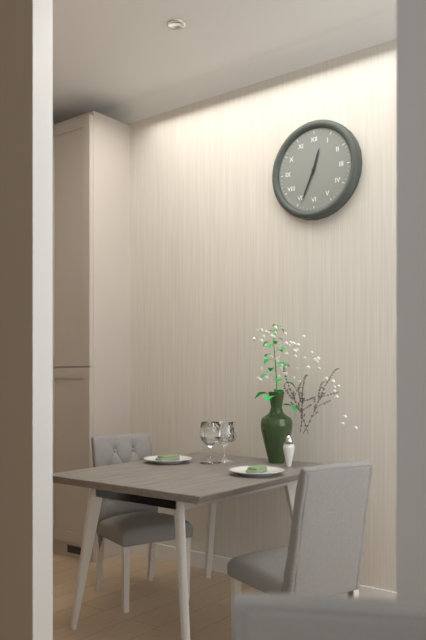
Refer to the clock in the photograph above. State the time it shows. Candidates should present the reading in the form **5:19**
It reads **12:34**
